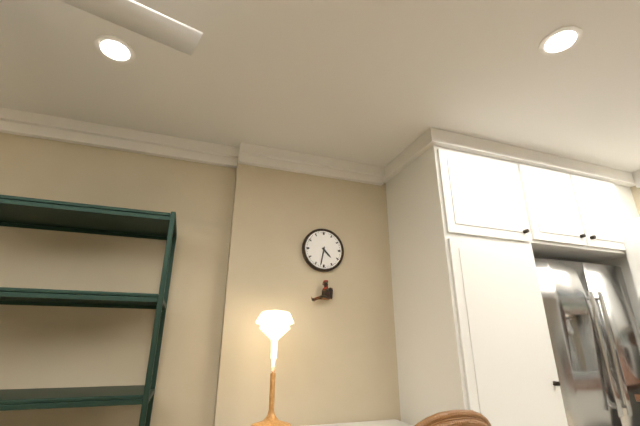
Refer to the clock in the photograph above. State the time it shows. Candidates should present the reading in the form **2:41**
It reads **4:32**
